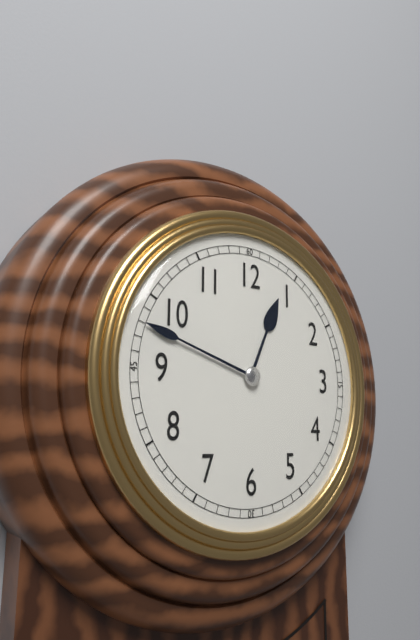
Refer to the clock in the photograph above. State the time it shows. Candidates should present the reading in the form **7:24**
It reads **12:48**
